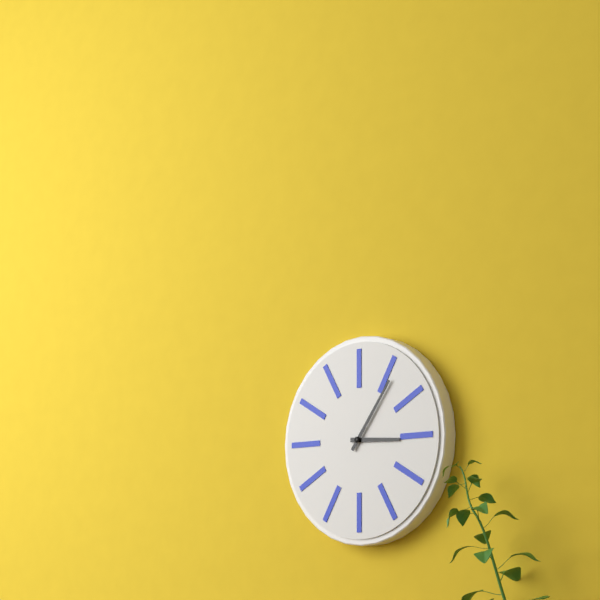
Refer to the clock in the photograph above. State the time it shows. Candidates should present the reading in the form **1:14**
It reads **3:06**
